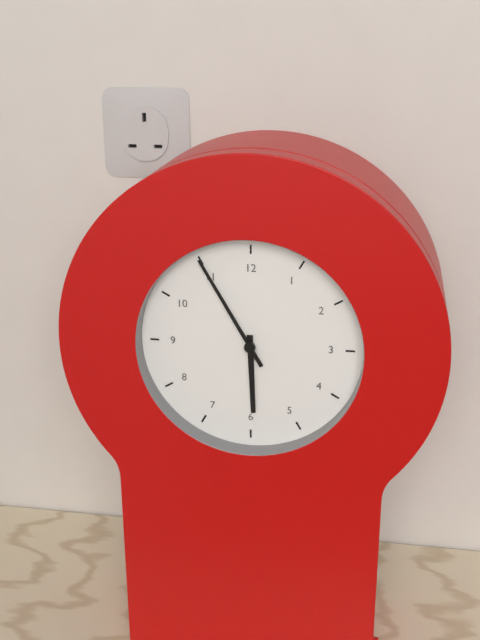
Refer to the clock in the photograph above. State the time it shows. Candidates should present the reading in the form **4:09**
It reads **5:55**
